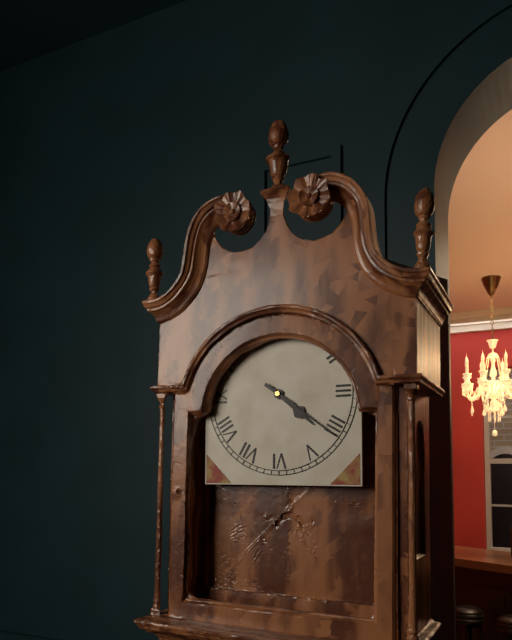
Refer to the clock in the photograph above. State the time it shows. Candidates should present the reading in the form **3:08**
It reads **4:21**
